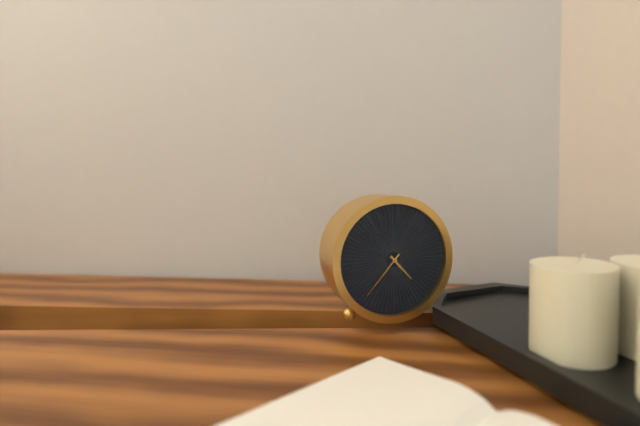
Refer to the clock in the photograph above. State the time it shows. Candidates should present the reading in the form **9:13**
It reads **4:37**
